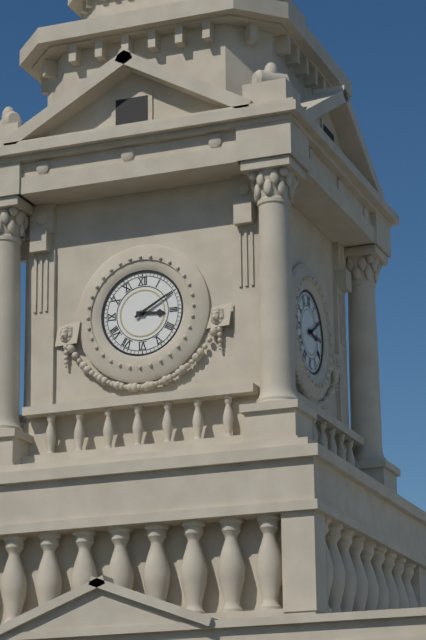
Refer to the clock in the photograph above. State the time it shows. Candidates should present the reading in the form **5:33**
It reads **3:10**
